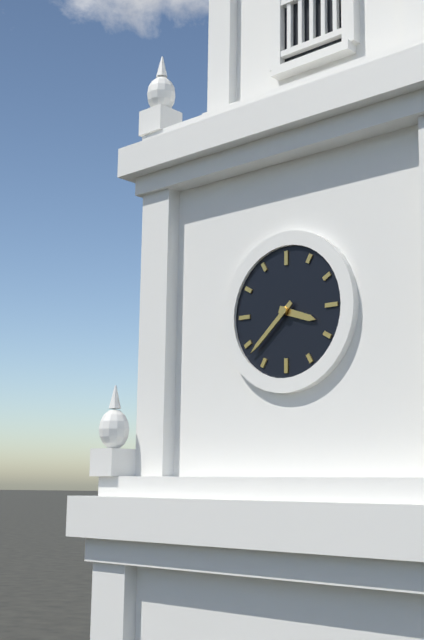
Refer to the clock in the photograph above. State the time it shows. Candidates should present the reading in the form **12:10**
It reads **3:38**
